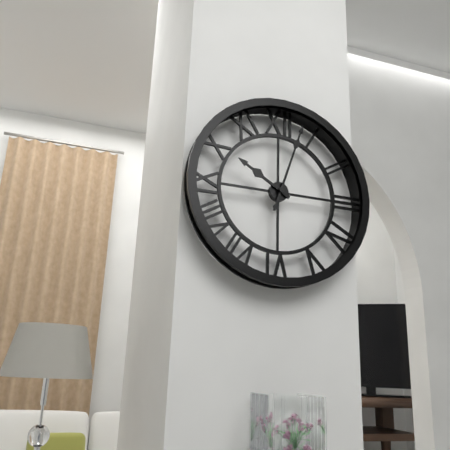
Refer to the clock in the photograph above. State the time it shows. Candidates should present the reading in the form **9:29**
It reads **10:03**
